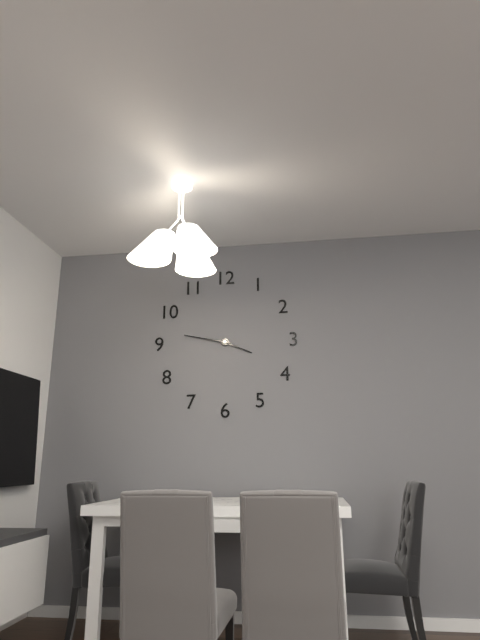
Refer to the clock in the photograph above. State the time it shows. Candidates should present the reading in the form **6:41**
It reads **3:47**
